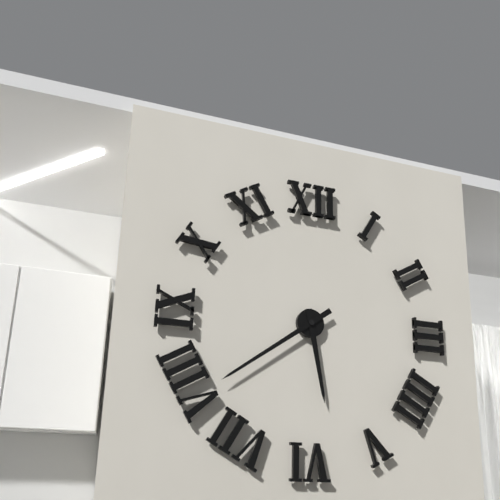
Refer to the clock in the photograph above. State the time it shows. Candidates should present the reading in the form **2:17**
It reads **5:39**
